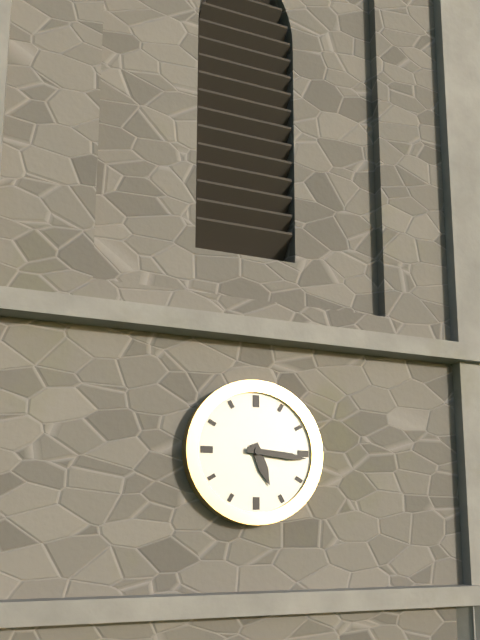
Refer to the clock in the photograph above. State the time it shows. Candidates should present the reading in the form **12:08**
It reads **5:16**
